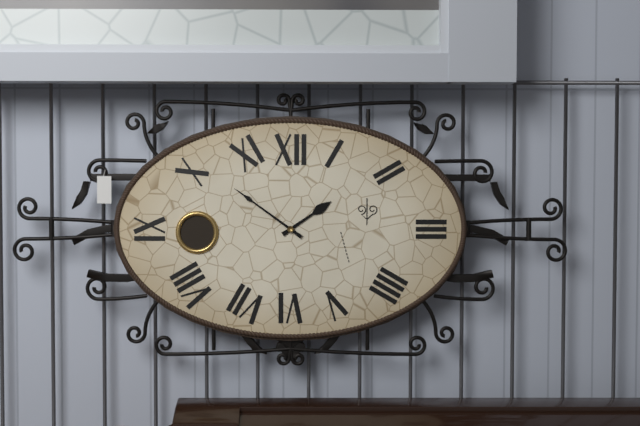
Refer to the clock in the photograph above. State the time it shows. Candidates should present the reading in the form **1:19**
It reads **1:51**
